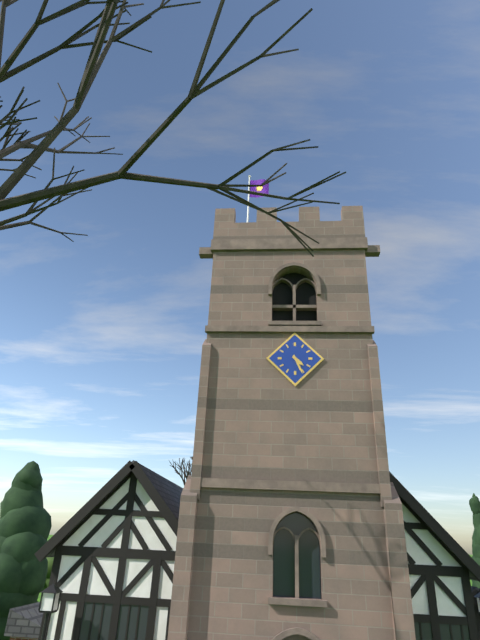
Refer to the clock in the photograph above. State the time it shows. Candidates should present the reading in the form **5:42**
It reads **4:26**
